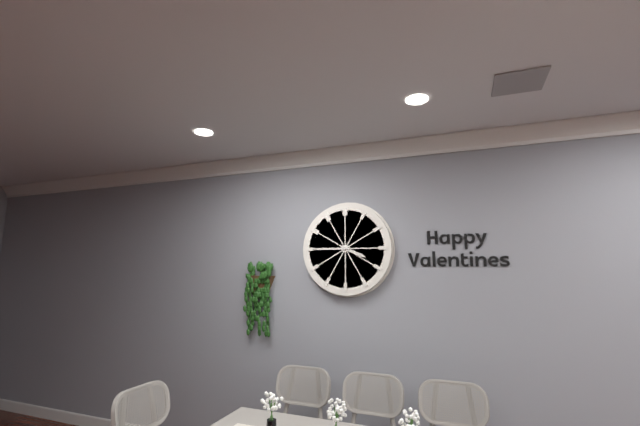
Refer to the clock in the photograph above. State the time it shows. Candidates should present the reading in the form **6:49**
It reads **3:45**
